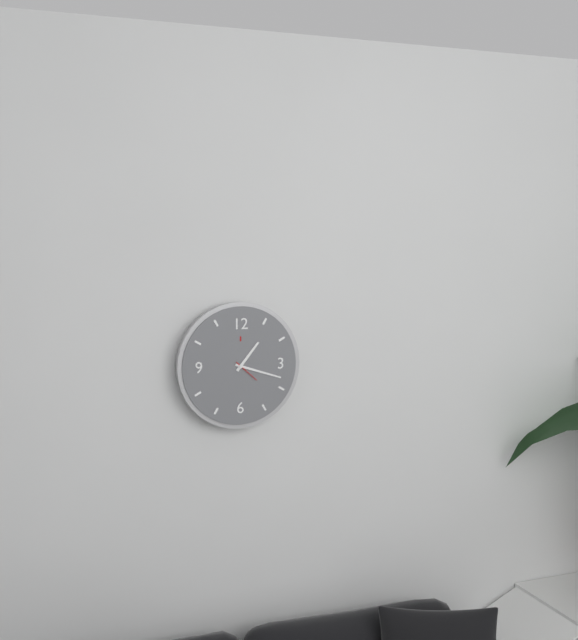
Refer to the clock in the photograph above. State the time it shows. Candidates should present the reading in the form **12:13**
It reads **1:18**
